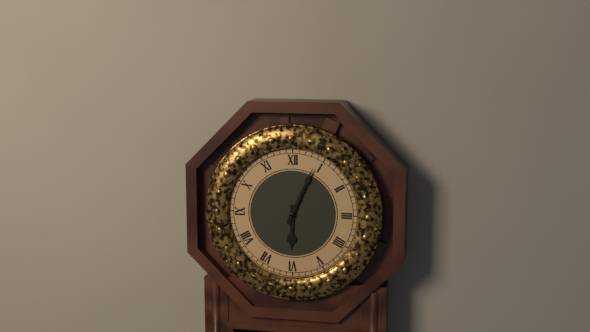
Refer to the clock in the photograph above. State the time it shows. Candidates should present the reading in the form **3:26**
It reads **6:04**
